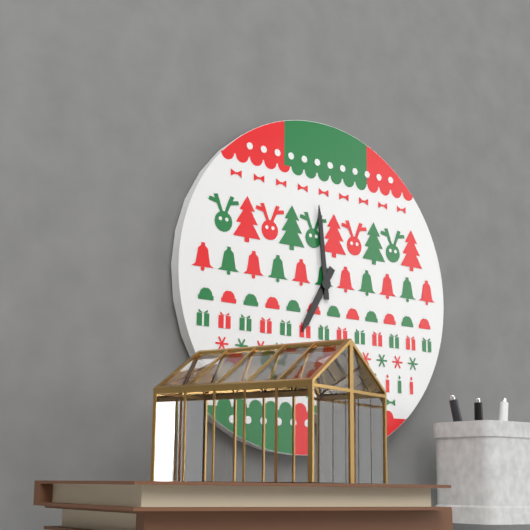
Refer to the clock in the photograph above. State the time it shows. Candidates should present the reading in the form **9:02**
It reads **6:59**
